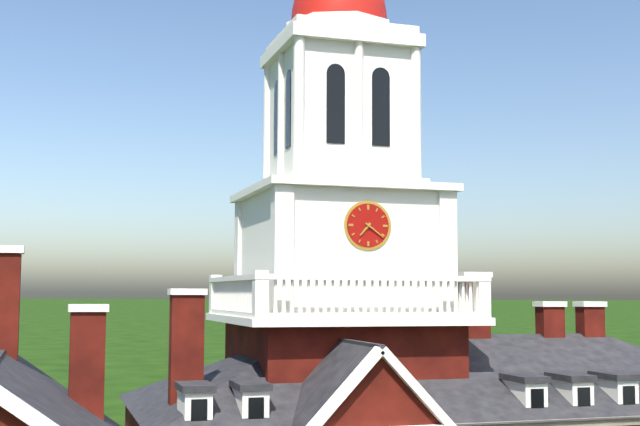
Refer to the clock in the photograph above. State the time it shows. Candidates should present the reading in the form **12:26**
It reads **7:21**
